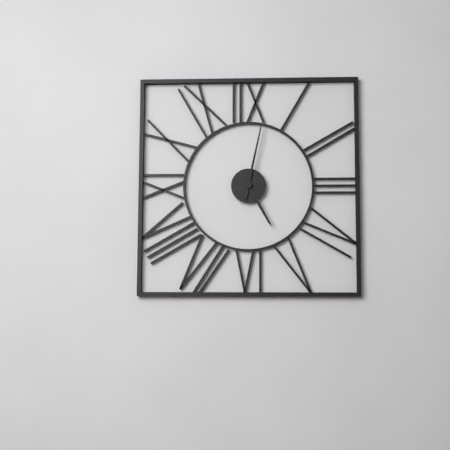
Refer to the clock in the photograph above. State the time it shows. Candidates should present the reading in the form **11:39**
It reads **5:02**
